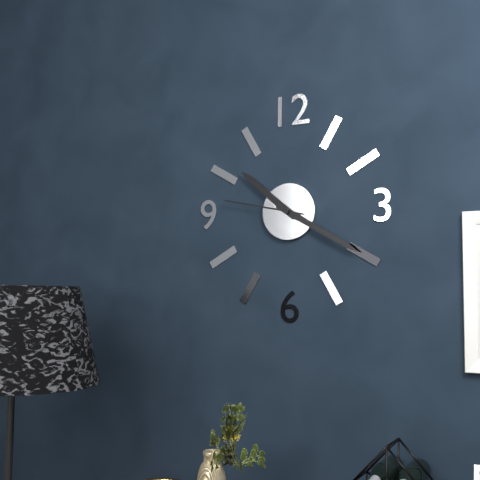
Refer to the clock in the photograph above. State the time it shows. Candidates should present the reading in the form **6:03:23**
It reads **10:20:47**
